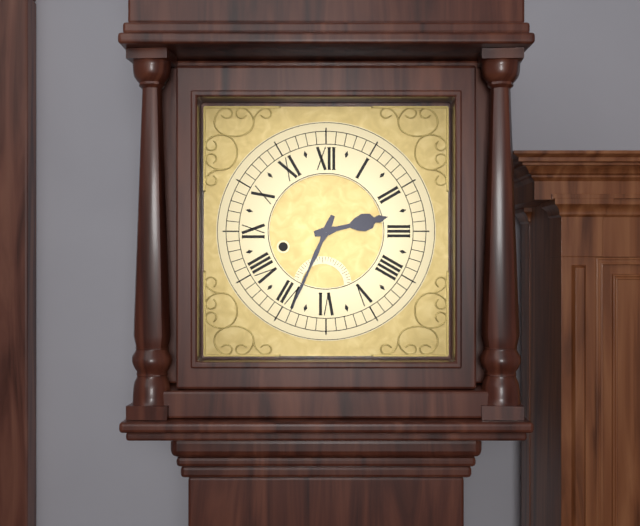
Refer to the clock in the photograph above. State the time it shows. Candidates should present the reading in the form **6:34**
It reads **2:34**
